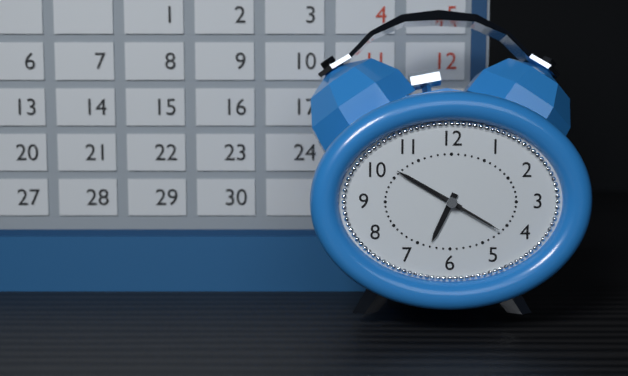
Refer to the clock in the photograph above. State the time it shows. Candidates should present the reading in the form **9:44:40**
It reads **6:50:20**
